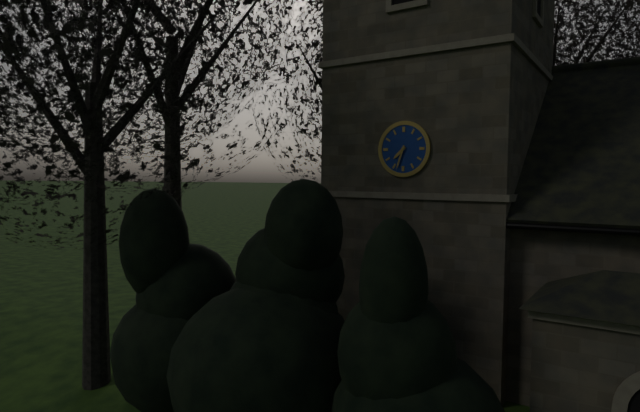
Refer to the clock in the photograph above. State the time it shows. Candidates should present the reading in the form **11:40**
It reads **7:33**
